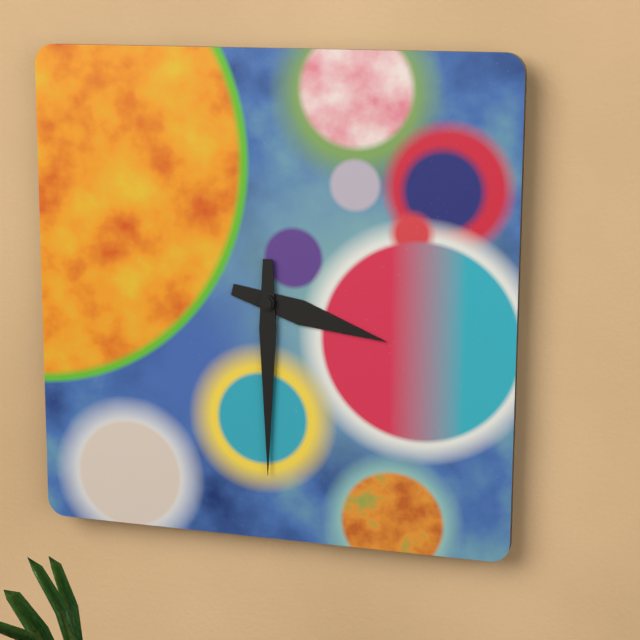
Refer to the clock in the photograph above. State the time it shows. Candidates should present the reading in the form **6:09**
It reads **3:30**
